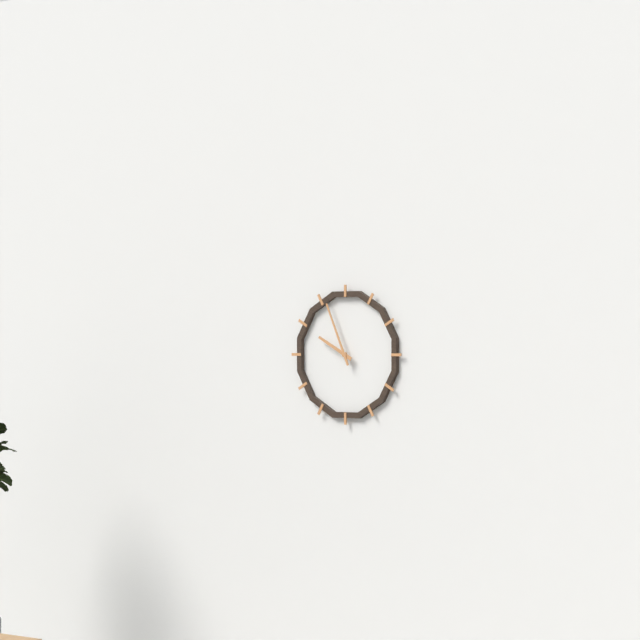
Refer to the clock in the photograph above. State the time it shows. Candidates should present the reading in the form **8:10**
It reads **9:56**
